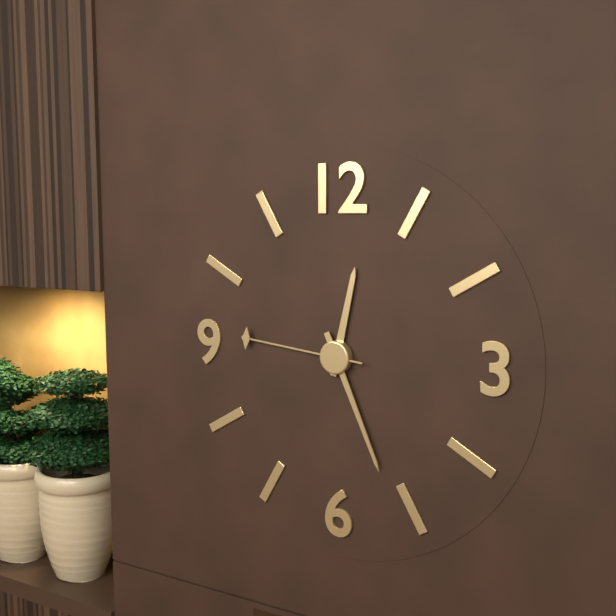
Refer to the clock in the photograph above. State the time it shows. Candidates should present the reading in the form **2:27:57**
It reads **12:26:46**
